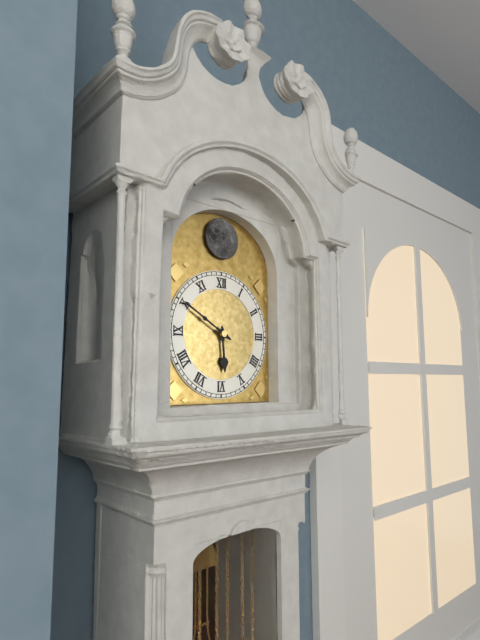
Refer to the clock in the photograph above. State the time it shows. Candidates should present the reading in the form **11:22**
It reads **5:50**
